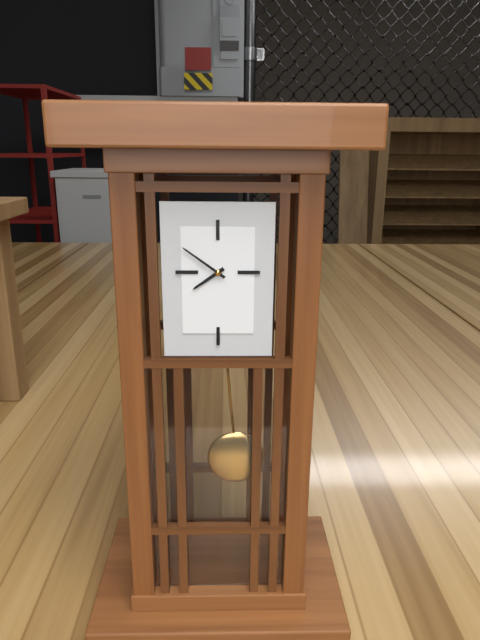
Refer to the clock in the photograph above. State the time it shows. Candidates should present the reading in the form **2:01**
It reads **7:51**
